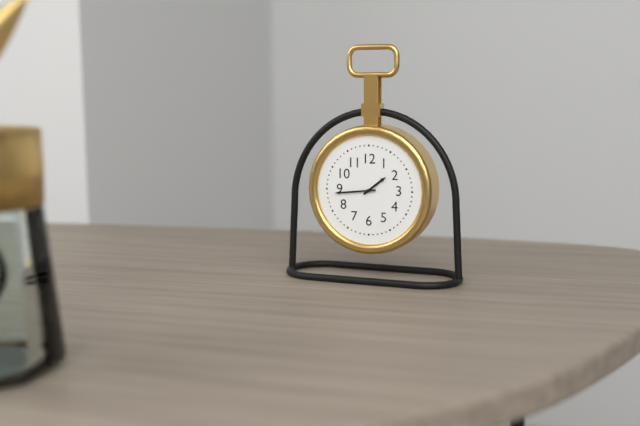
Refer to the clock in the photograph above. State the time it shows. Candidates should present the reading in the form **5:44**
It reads **1:44**
